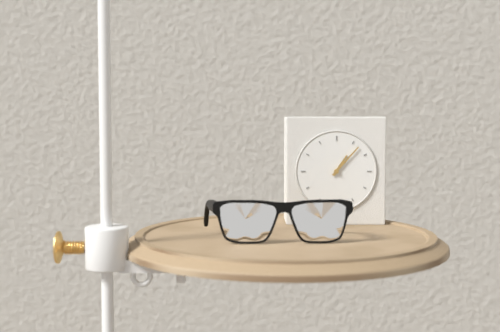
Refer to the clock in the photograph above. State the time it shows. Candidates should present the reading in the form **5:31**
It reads **1:07**
